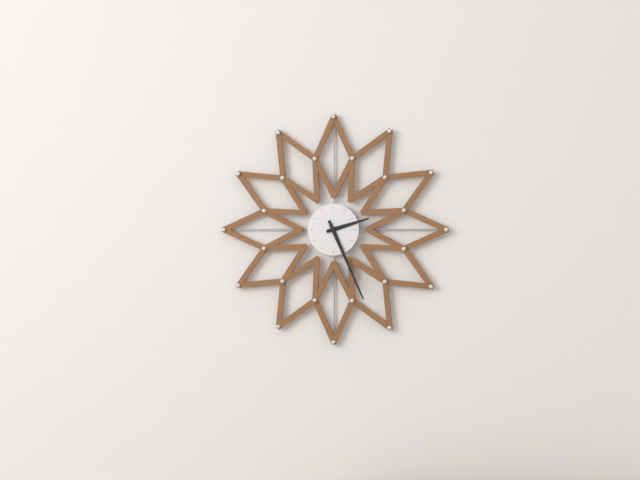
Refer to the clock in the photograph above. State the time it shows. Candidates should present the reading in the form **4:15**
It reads **2:26**
